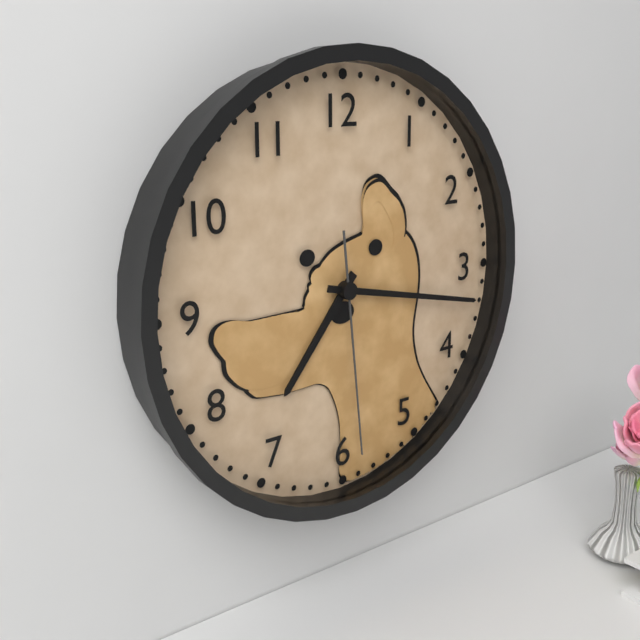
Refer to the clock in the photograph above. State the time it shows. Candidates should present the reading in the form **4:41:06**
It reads **7:17:29**
